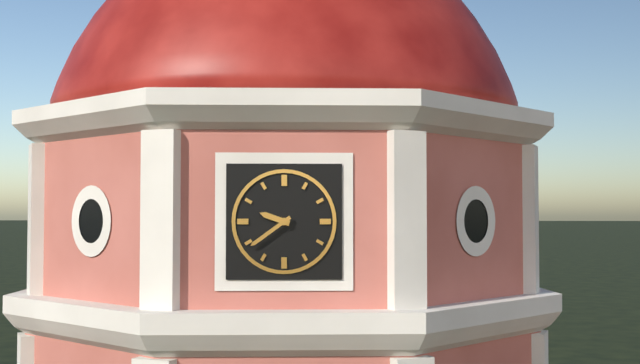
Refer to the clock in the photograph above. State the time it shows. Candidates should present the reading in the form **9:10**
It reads **9:39**
